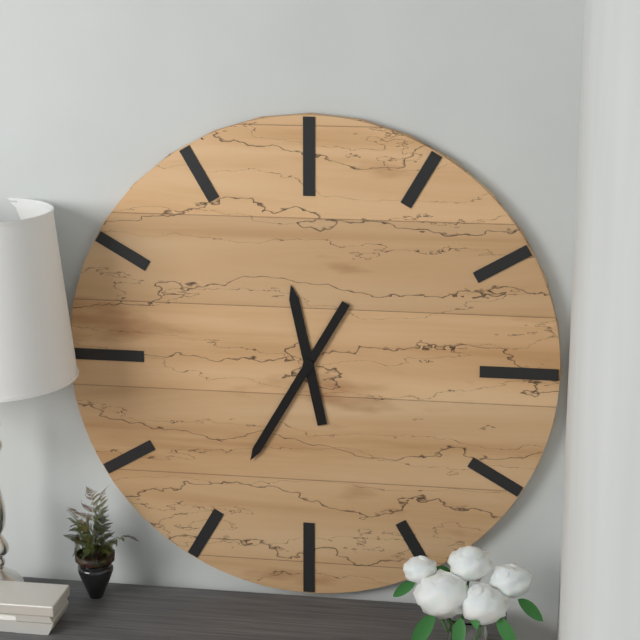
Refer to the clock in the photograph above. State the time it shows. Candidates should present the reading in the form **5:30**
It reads **11:35**
